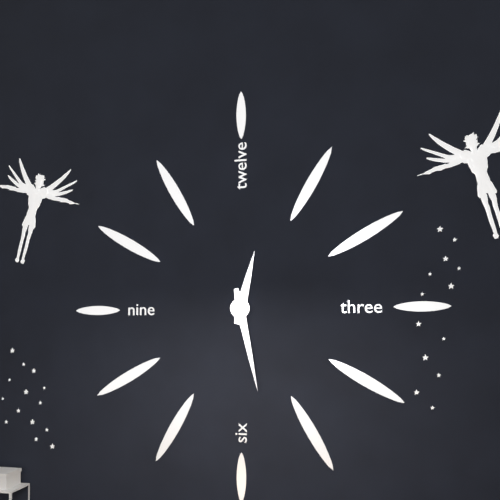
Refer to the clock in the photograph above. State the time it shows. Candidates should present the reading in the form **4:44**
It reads **12:28**
